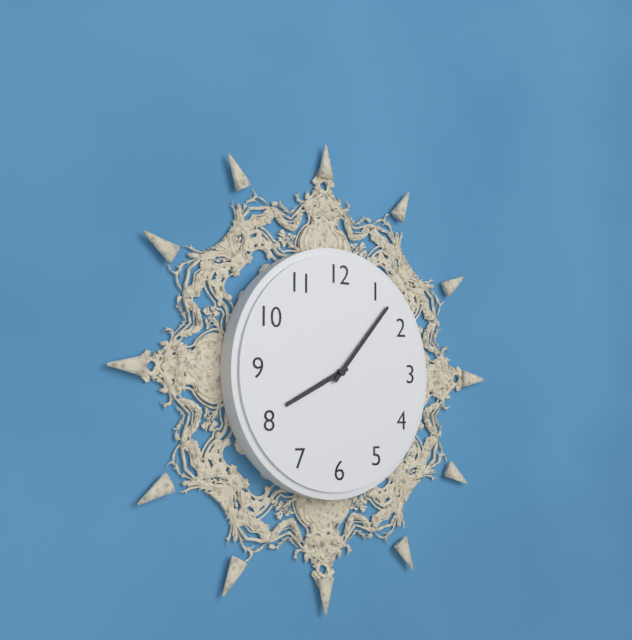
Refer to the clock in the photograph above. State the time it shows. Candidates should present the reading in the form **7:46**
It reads **8:07**
